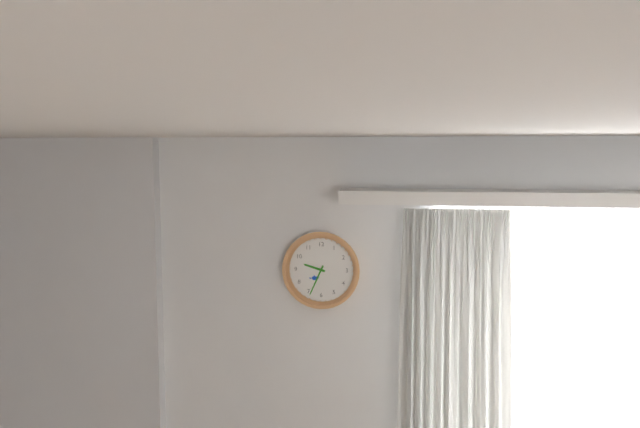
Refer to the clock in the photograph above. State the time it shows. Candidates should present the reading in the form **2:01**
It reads **9:34**
